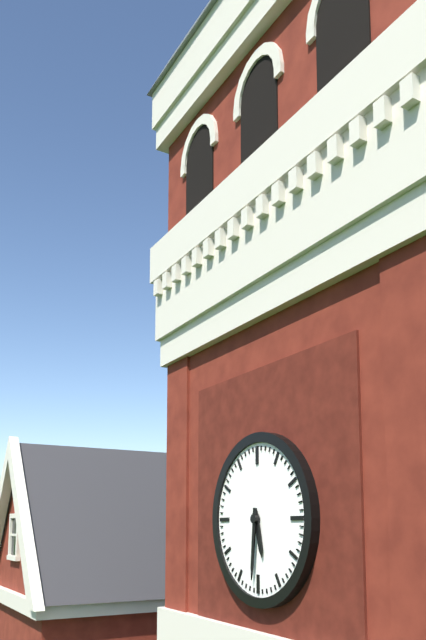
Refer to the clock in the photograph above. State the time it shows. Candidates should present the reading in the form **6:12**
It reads **5:31**
